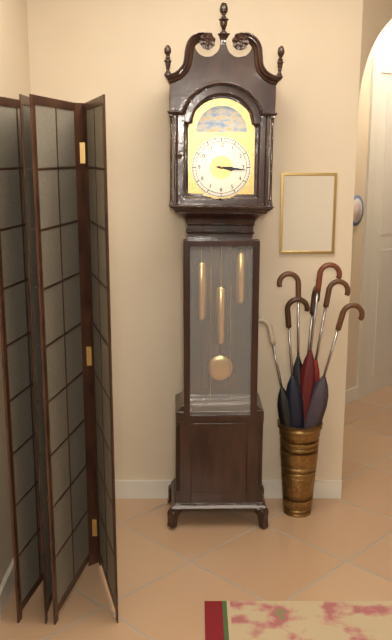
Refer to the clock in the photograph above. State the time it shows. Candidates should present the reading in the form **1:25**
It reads **3:16**
